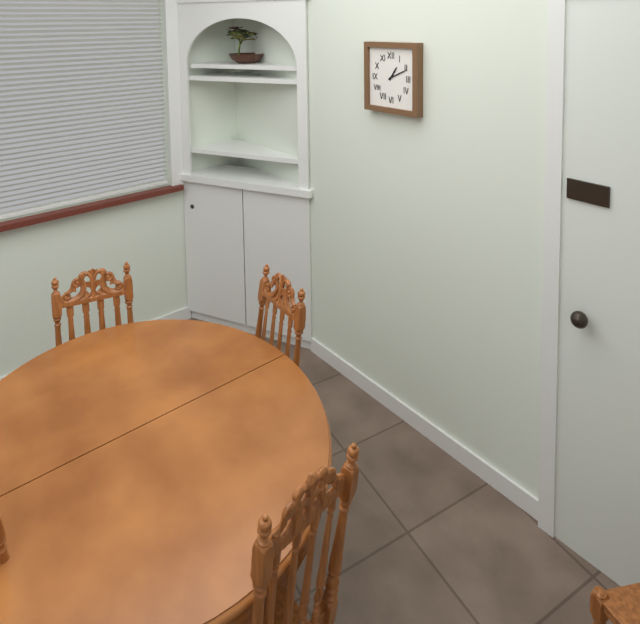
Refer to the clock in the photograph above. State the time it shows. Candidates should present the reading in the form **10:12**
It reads **1:11**
